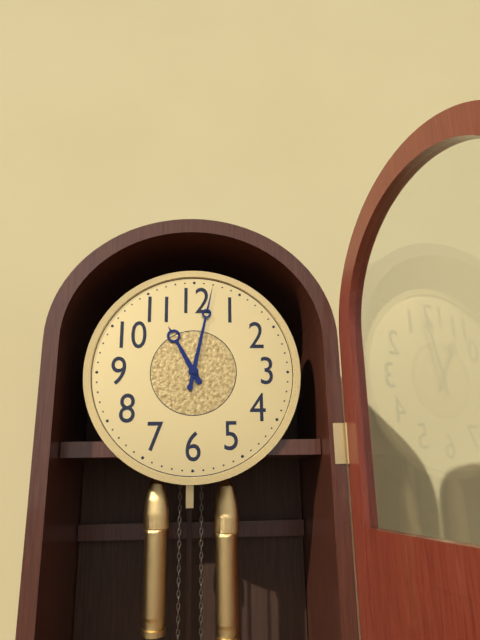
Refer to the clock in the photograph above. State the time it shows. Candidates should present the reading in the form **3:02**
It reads **11:02**
